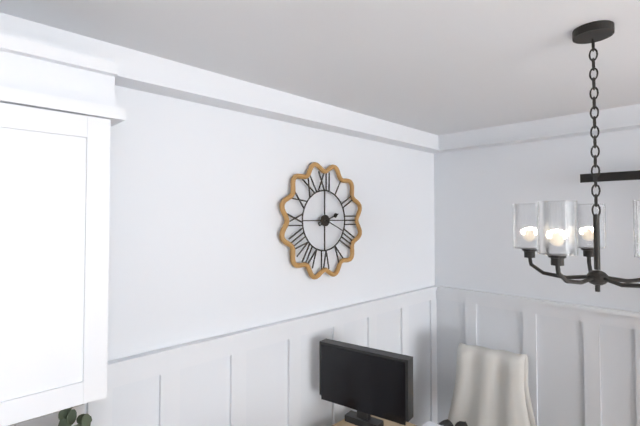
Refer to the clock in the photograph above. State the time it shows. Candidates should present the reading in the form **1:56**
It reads **2:19**
